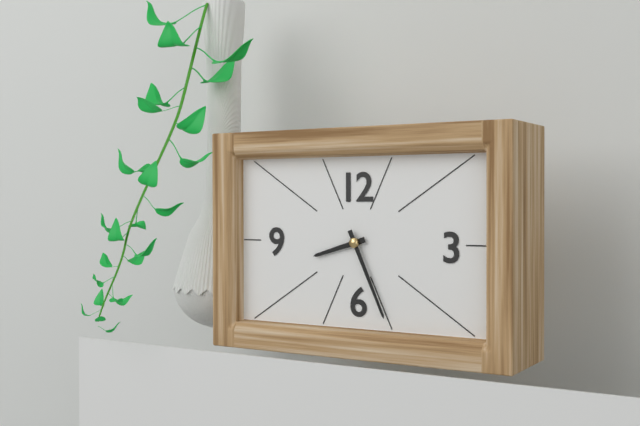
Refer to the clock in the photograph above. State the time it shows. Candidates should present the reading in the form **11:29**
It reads **8:26**
